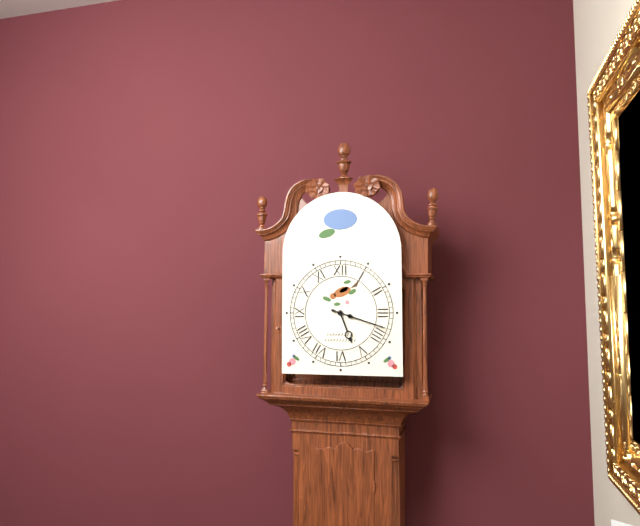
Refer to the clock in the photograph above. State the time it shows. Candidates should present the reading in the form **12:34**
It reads **5:18**
